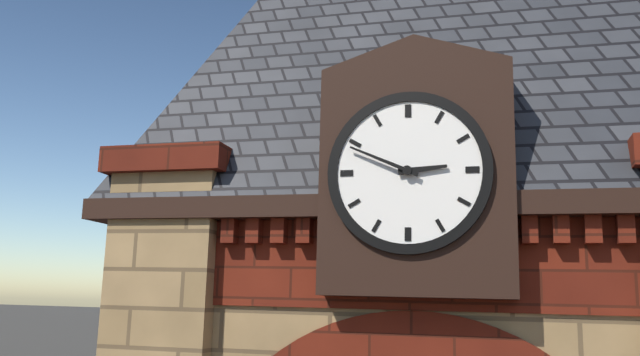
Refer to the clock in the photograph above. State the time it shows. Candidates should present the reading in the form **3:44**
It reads **2:49**
